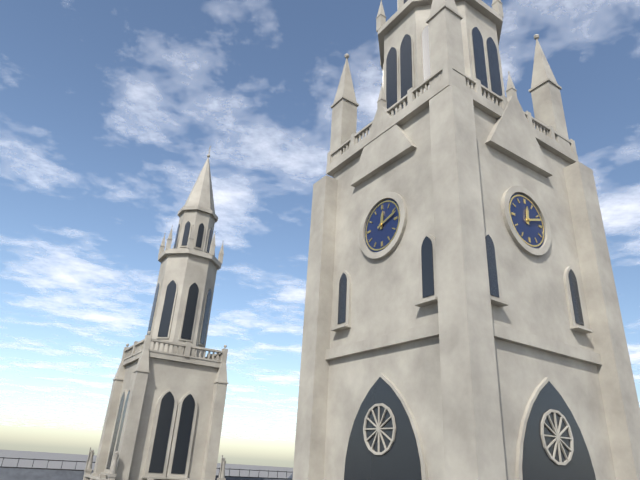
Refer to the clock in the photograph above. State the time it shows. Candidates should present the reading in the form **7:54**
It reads **12:12**
